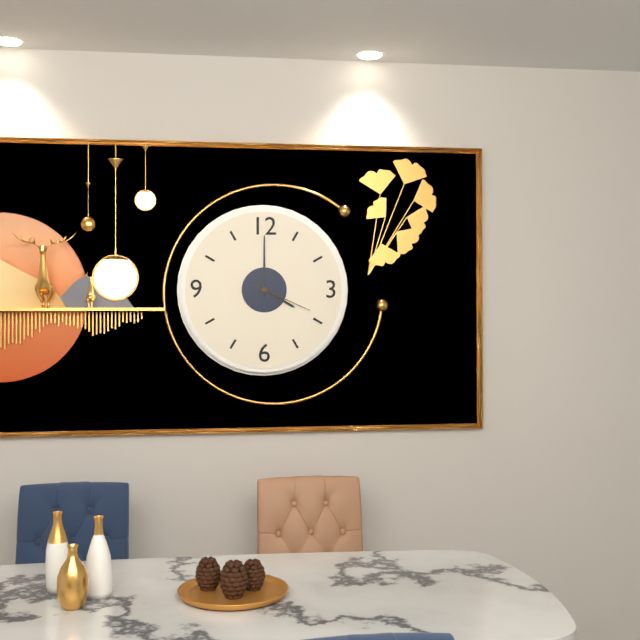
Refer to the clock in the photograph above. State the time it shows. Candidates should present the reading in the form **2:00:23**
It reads **4:00:19**
